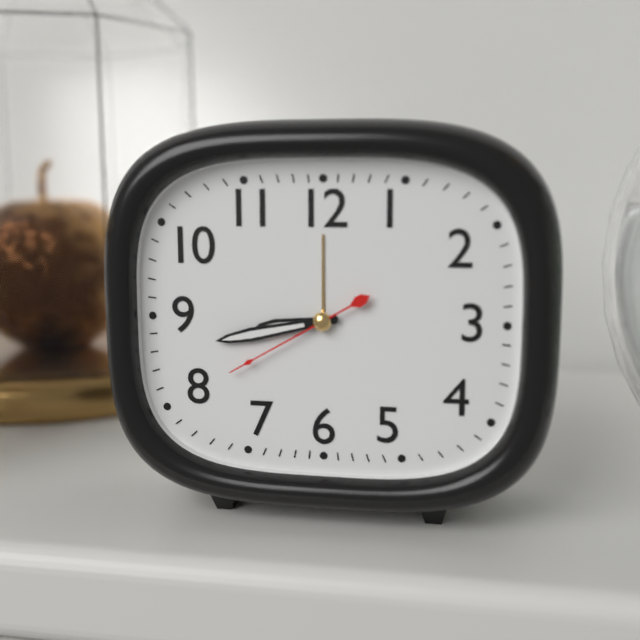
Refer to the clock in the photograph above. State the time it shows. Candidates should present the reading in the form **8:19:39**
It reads **8:43:40**
